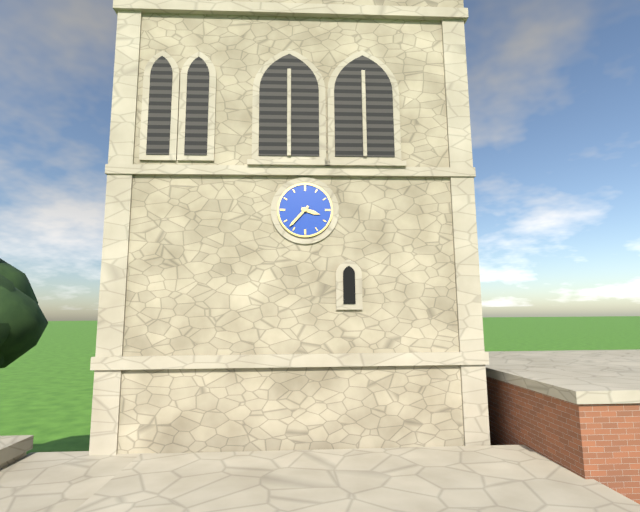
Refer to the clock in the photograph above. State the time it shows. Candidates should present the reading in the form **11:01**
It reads **3:37**
